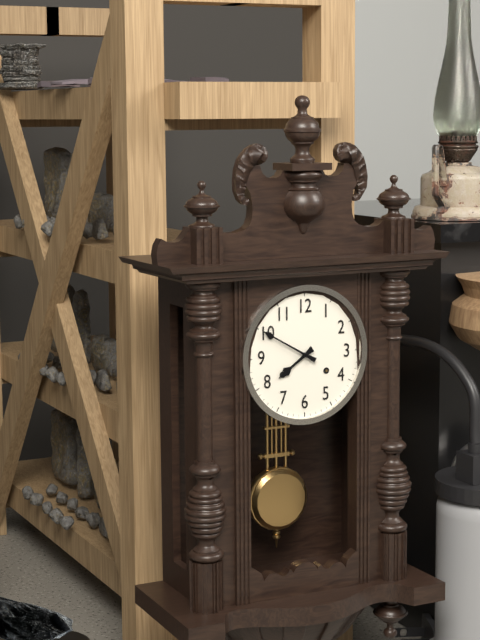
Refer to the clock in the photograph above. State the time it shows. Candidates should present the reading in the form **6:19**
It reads **7:50**
